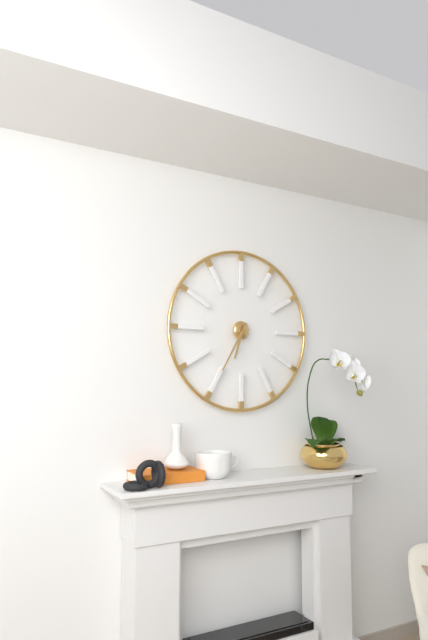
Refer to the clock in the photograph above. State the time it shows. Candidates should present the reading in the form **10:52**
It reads **6:35**
